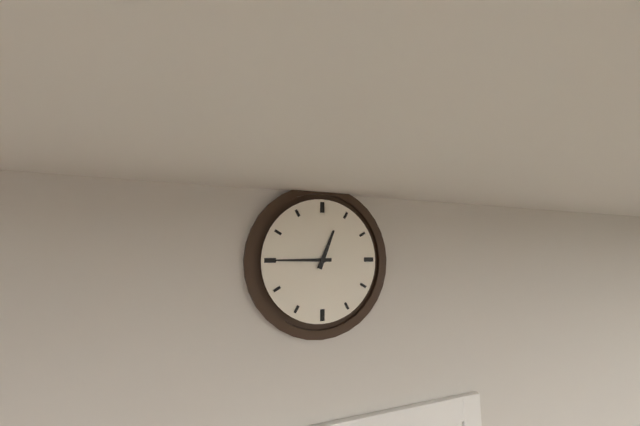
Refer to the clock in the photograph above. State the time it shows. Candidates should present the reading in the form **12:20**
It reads **12:45**
